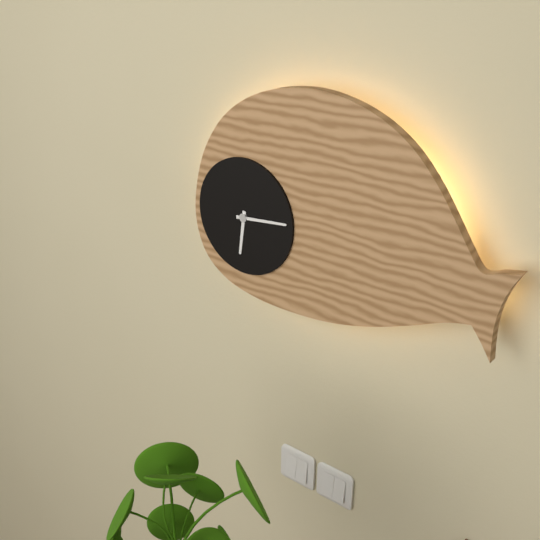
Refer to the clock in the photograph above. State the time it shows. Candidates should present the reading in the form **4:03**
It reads **6:14**
